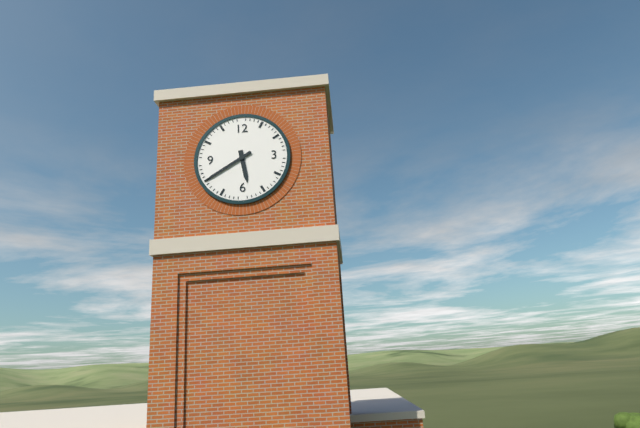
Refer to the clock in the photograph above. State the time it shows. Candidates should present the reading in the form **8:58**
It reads **5:40**
